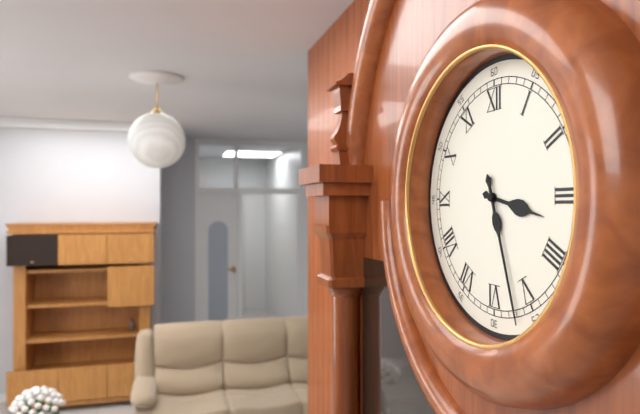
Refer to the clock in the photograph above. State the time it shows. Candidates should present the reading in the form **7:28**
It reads **3:27**
